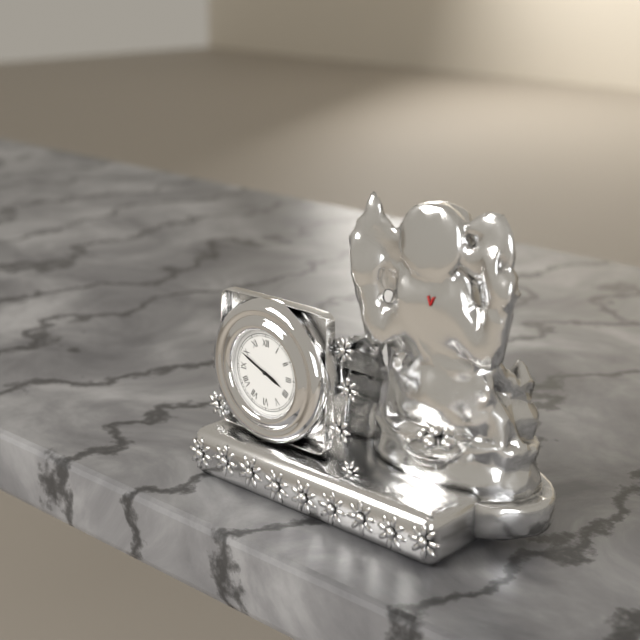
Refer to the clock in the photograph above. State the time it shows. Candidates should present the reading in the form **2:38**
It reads **3:49**
